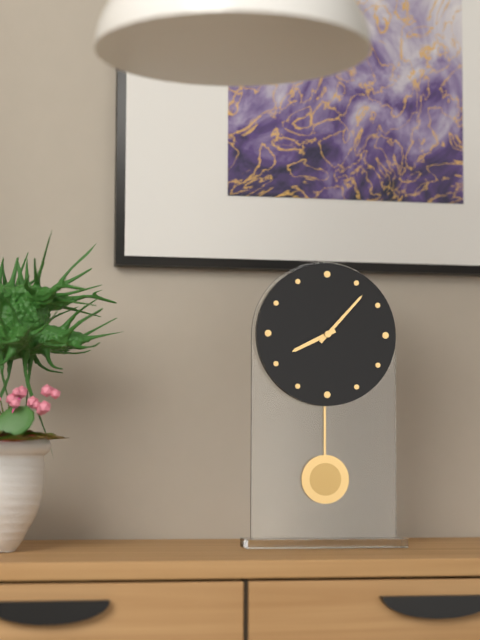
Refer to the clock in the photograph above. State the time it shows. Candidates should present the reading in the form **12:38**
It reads **8:07**
